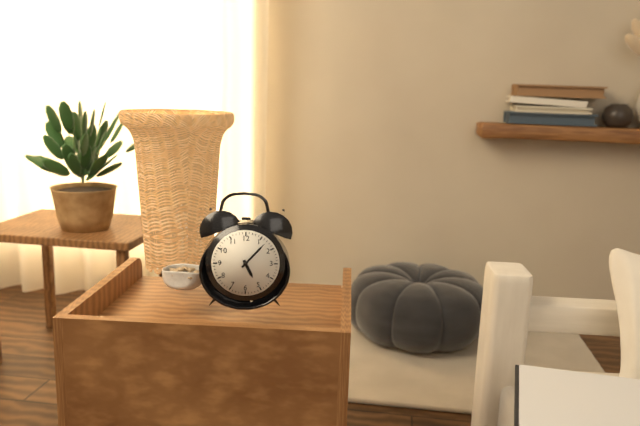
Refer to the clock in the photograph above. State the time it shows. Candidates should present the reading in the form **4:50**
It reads **5:07**
